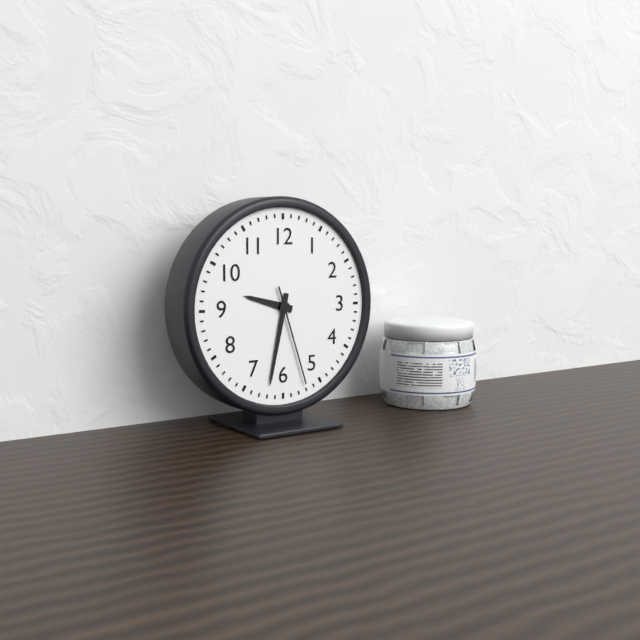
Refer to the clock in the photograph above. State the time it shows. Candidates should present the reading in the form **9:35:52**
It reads **9:32:27**
